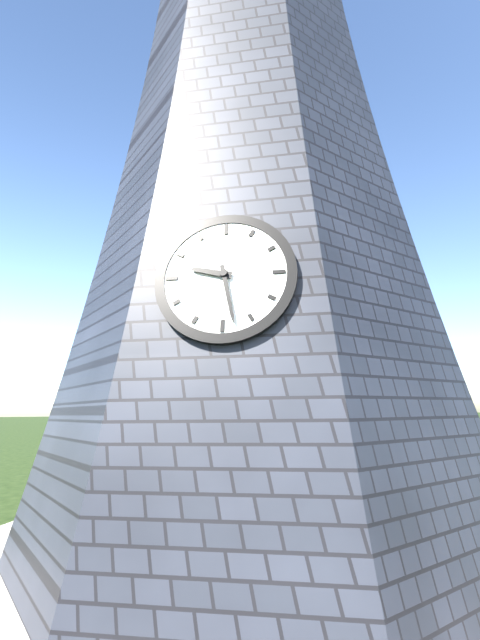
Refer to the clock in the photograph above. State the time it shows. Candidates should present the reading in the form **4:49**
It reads **9:28**
